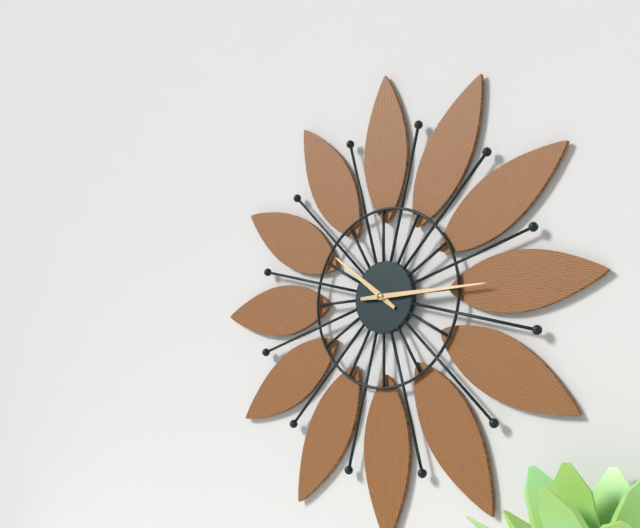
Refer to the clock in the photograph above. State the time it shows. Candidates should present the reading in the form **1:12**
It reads **10:15**
